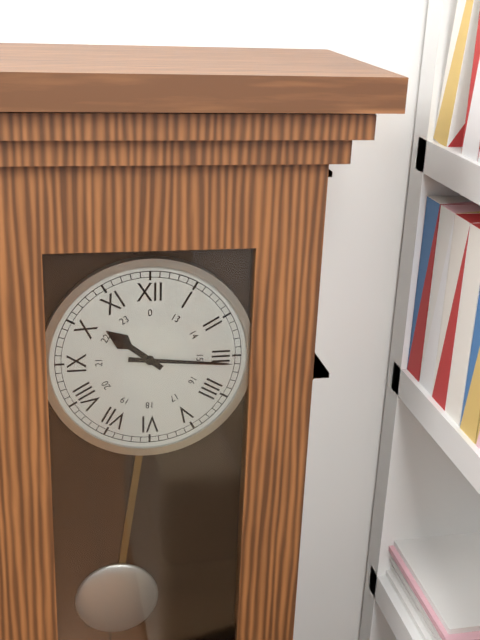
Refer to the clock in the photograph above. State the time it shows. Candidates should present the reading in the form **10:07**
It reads **10:16**
